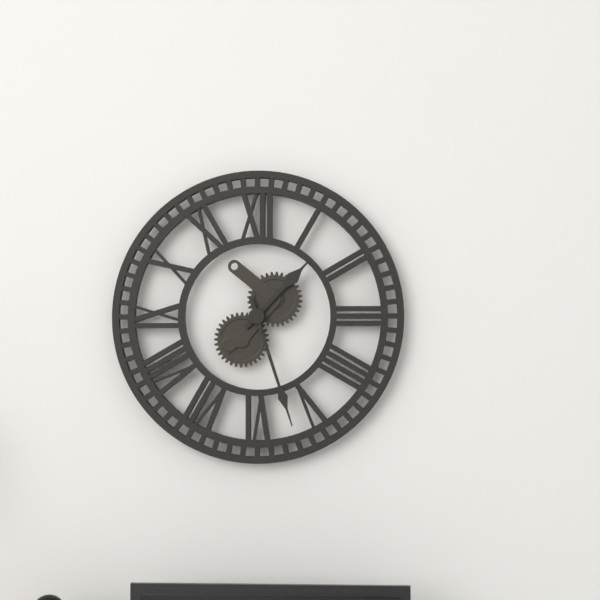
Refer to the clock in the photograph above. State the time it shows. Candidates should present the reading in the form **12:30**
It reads **1:27**
